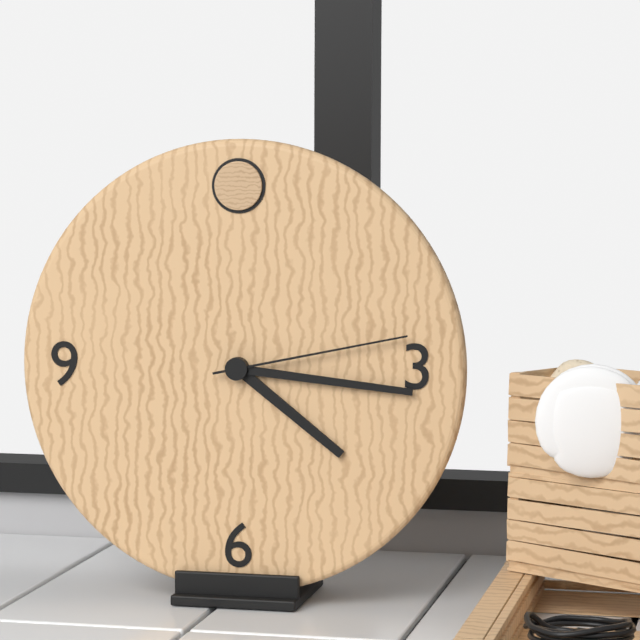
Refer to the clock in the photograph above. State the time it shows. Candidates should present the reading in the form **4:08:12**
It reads **4:16:13**
